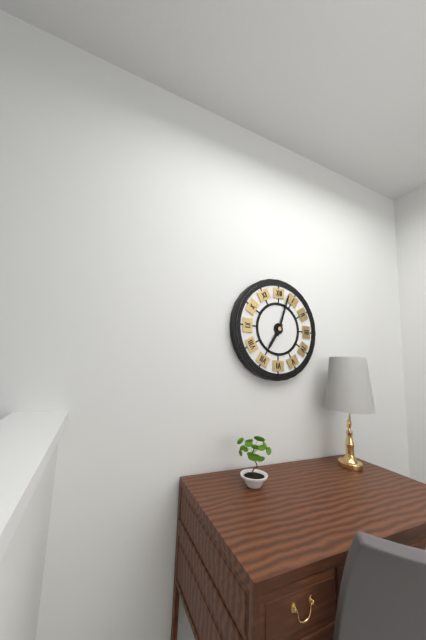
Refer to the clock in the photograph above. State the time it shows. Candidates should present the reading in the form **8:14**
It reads **7:03**
